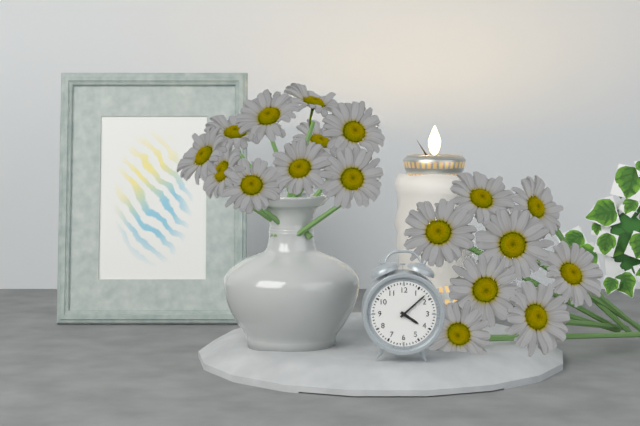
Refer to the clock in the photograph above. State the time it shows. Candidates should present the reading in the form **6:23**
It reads **4:08**
